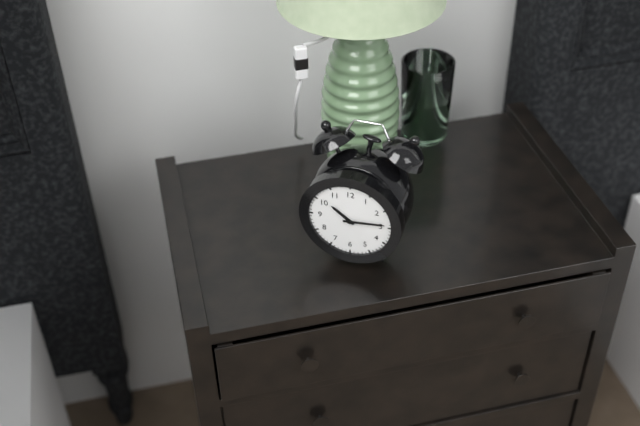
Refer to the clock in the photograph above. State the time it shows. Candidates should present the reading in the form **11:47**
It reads **10:14**
